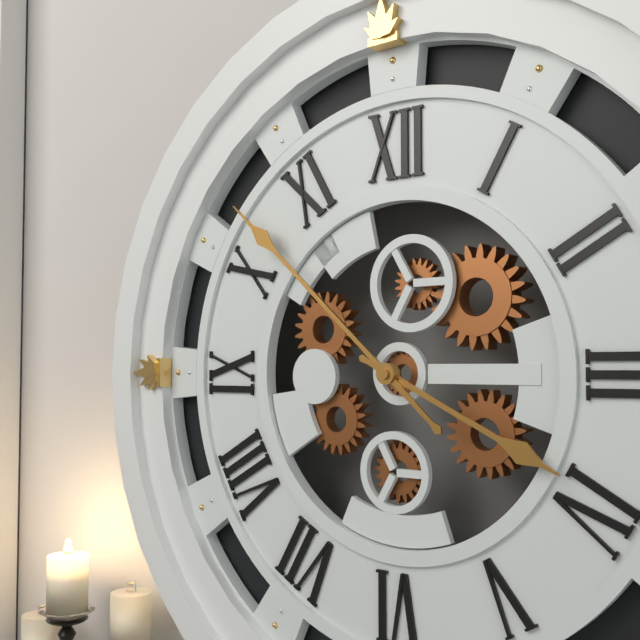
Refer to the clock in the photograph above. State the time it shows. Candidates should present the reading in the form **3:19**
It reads **3:52**
